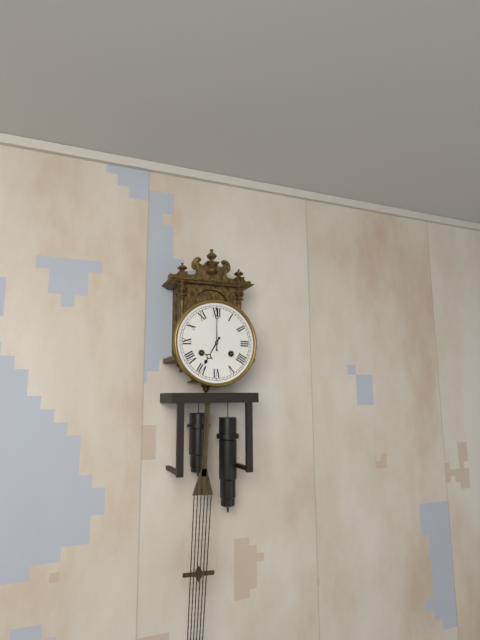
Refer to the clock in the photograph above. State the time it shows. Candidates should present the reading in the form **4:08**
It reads **7:00**
